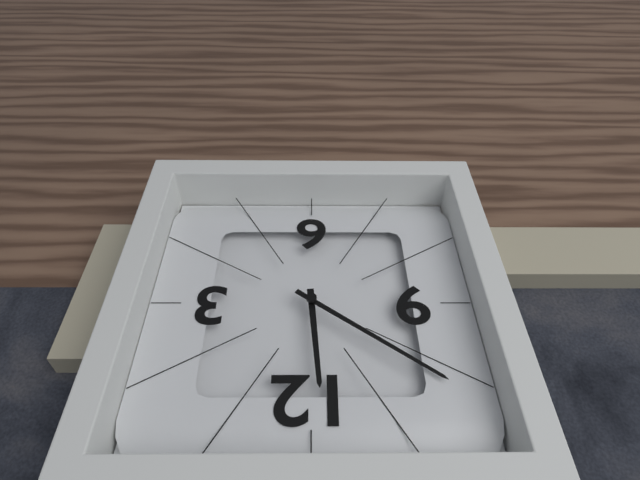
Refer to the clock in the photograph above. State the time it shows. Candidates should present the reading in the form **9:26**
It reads **11:51**
